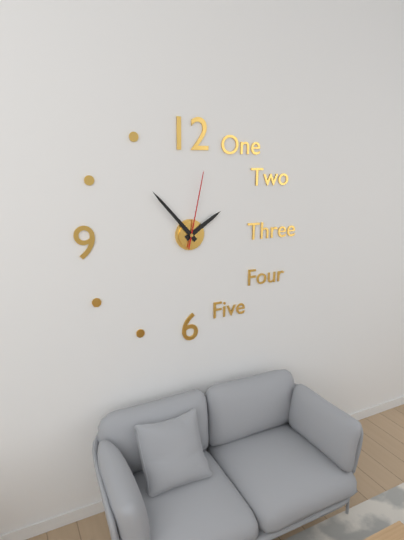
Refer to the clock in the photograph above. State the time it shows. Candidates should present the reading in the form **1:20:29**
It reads **1:53:02**
